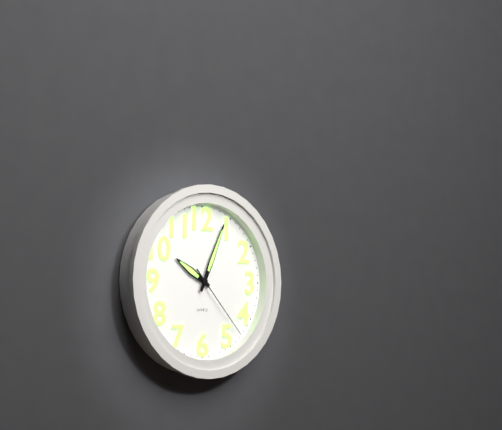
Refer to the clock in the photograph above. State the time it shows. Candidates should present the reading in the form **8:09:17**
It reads **10:04:23**
